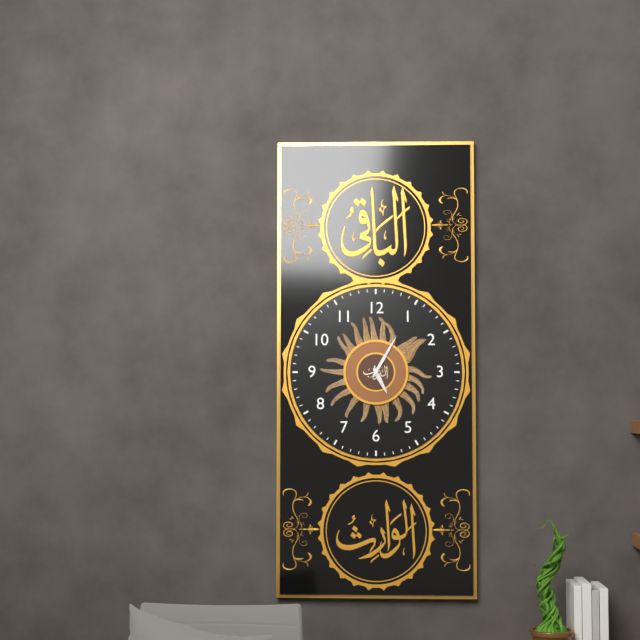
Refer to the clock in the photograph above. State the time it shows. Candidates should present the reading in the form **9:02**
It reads **5:05**
